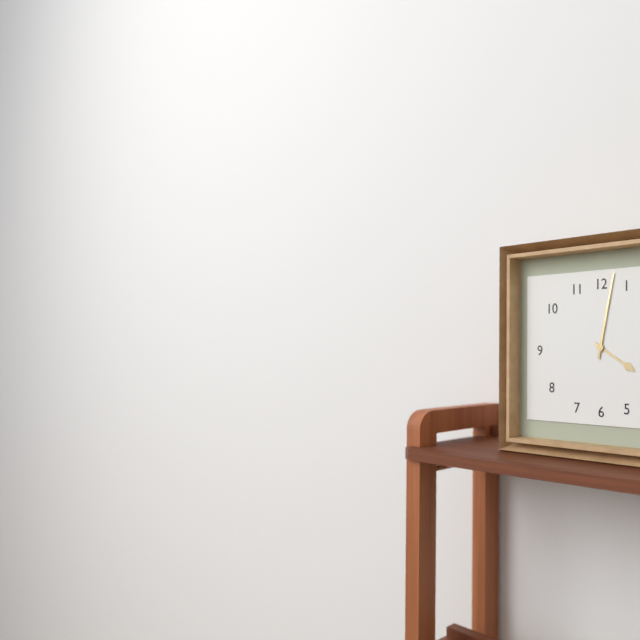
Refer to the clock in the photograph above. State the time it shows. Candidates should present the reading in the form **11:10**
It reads **4:02**
